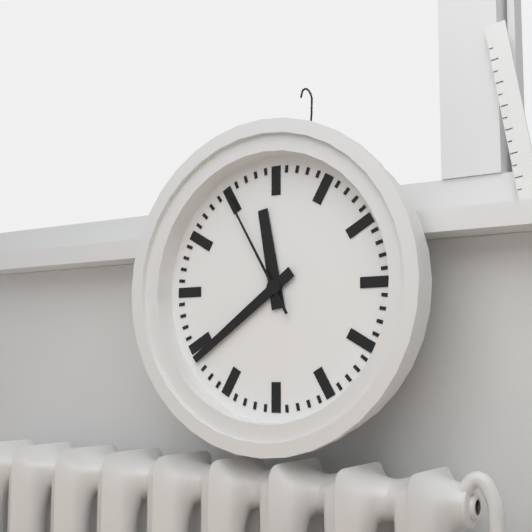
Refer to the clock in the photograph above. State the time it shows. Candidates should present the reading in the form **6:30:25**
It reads **11:39:55**
